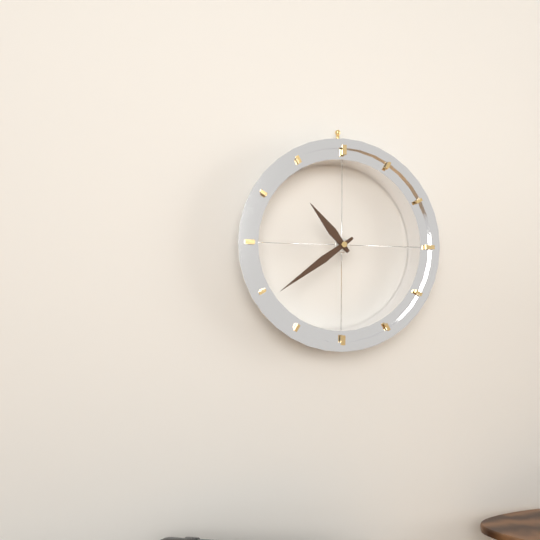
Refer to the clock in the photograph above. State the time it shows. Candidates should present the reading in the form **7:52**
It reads **10:39**
